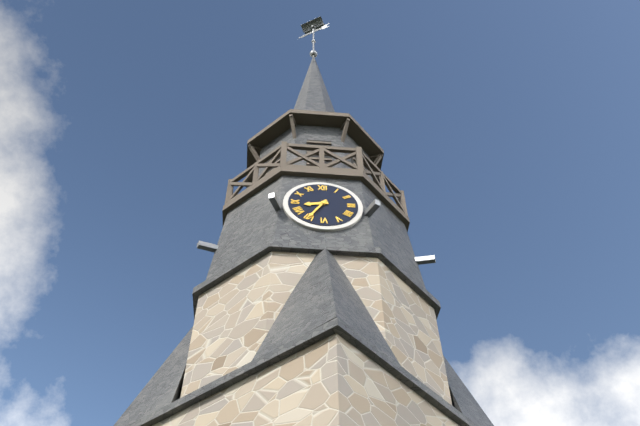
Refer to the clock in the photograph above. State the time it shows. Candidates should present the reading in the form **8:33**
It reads **8:35**
